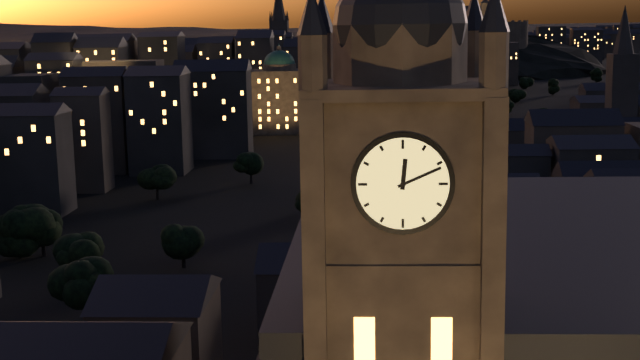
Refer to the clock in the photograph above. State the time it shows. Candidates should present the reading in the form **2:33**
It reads **12:11**
